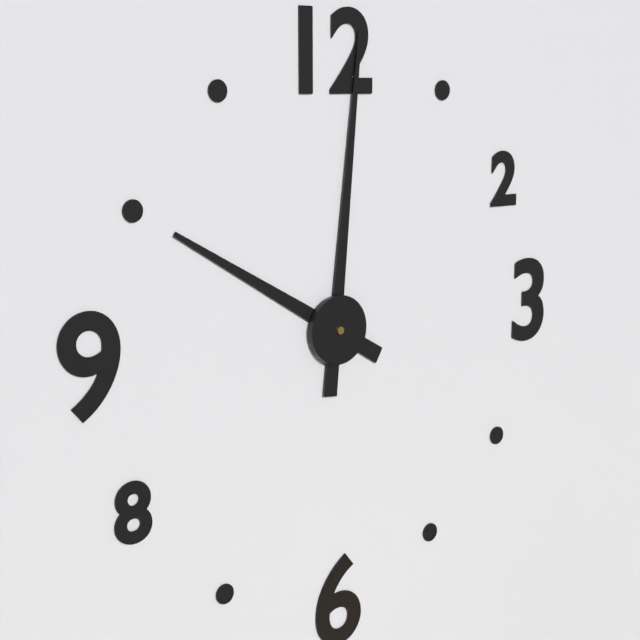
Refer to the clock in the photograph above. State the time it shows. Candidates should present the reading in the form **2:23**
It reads **10:01**
